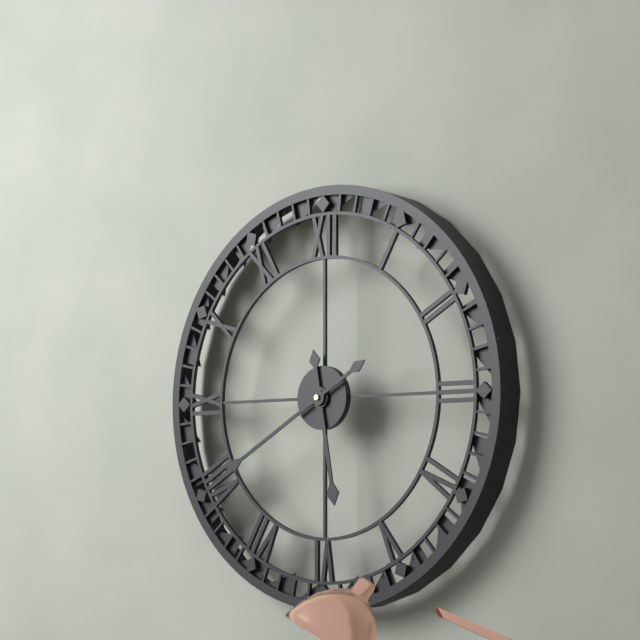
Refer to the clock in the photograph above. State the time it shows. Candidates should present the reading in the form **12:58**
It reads **5:40**
